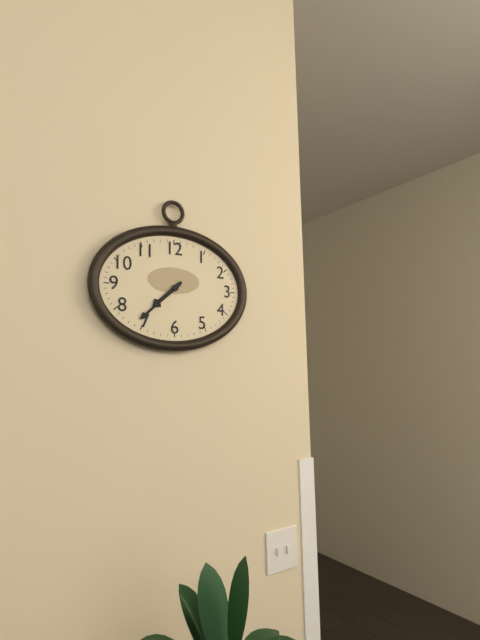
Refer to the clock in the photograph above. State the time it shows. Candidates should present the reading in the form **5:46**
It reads **7:38**
